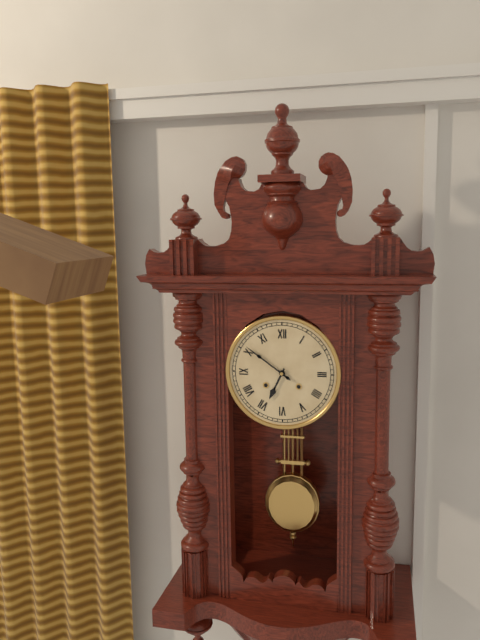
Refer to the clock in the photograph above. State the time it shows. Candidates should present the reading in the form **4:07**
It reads **6:51**
